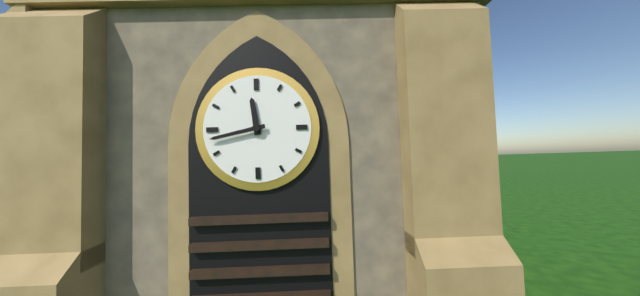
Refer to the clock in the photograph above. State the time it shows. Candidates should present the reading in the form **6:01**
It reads **11:43**
